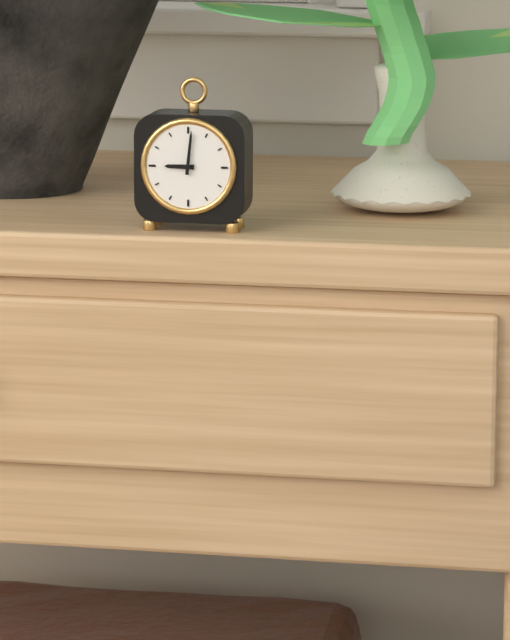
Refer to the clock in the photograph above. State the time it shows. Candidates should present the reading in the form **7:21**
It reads **9:01**
